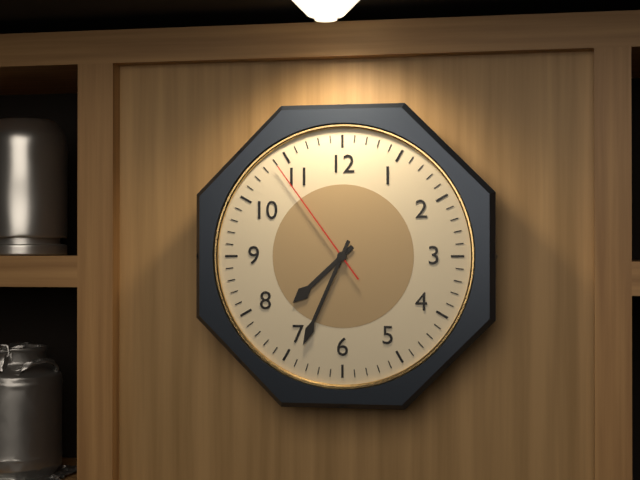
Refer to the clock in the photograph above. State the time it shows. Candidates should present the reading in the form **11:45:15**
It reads **7:34:54**
